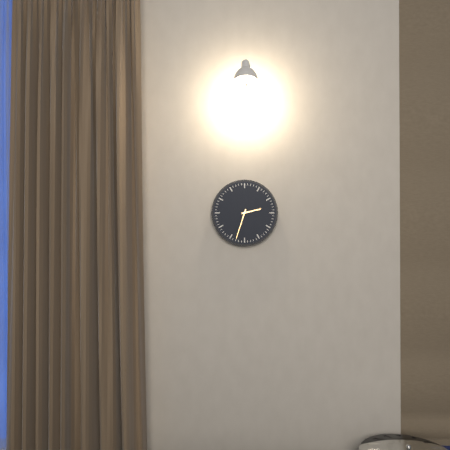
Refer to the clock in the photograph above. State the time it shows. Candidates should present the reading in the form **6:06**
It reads **2:33**
